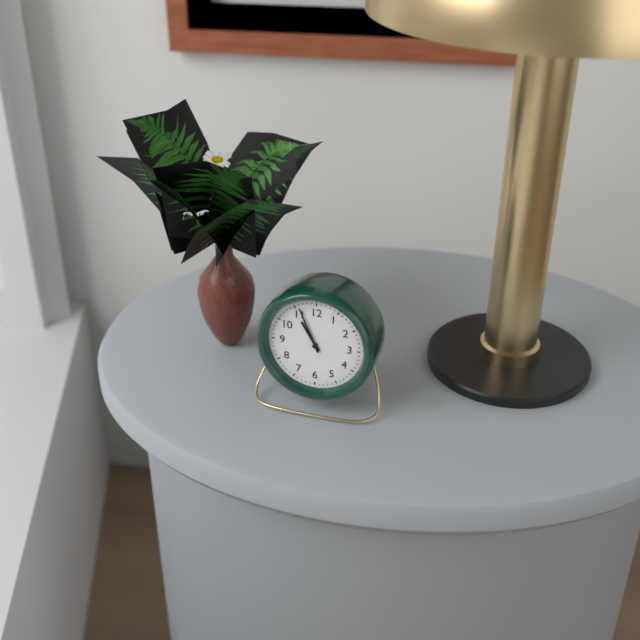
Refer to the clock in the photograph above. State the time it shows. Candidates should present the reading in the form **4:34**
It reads **10:56**
